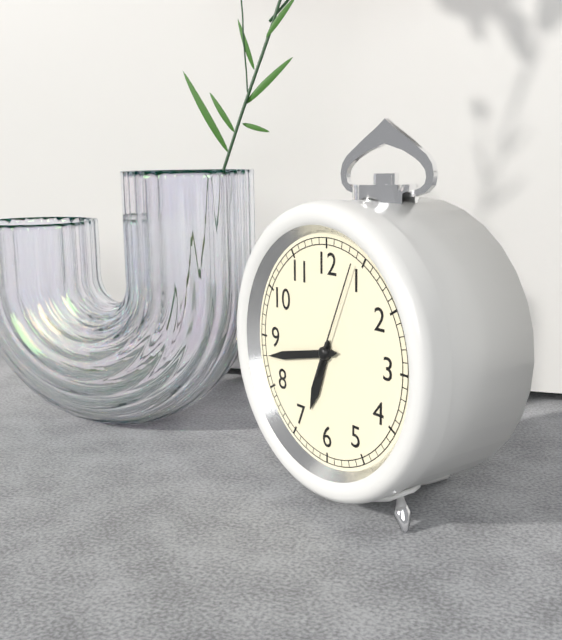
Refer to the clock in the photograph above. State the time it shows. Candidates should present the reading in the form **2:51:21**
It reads **6:43:04**
